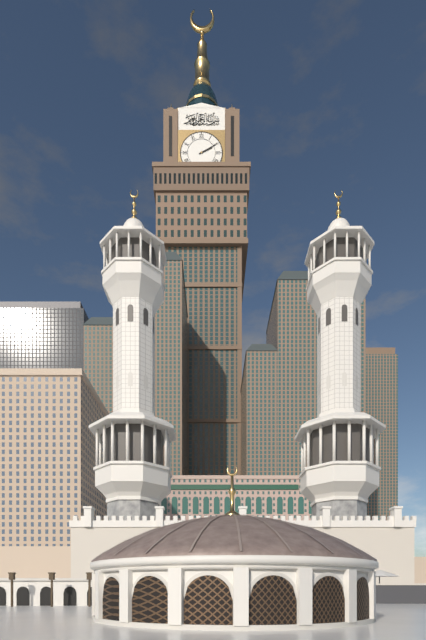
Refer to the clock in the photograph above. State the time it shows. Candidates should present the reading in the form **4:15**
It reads **2:10**
